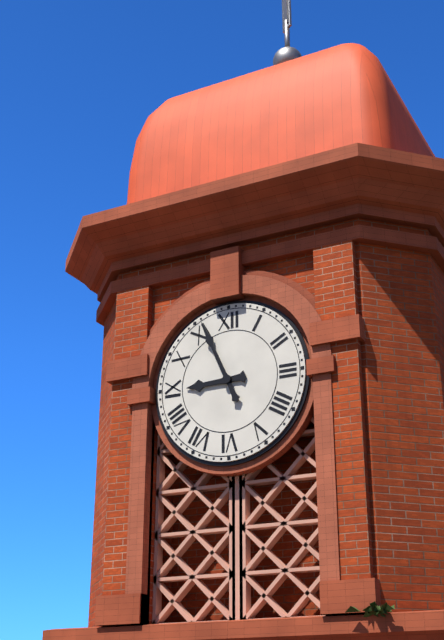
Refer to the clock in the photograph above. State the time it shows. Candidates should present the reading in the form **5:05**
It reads **8:56**
